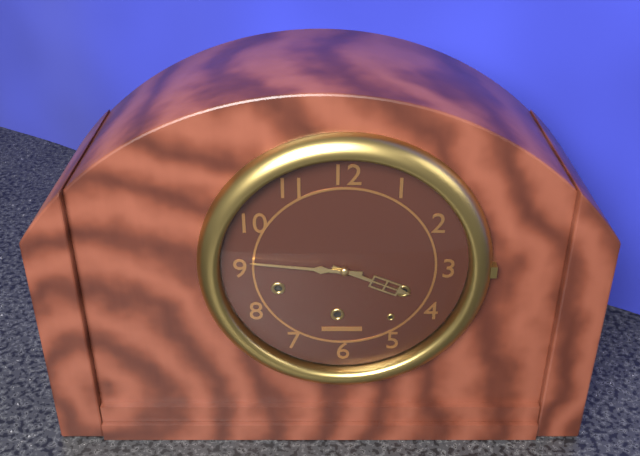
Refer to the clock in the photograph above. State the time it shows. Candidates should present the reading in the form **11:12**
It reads **3:46**
